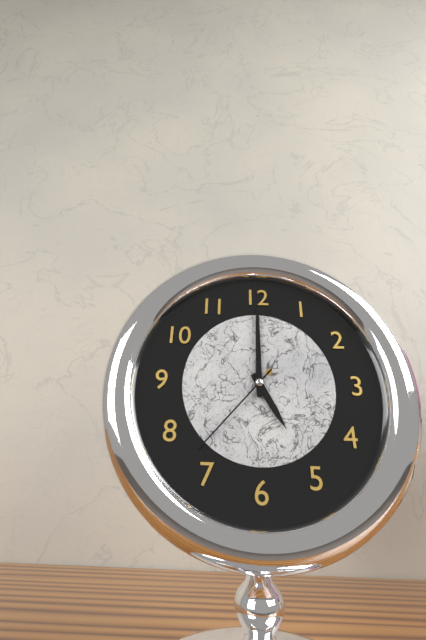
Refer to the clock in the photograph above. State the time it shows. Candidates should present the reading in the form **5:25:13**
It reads **5:00:37**
